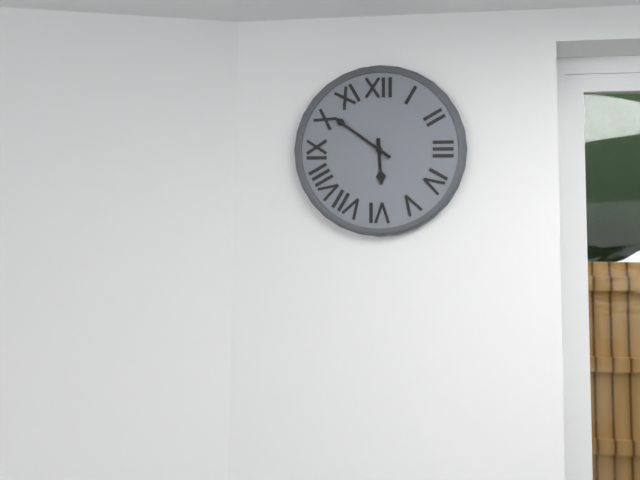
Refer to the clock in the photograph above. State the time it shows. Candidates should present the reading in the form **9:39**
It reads **5:51**
